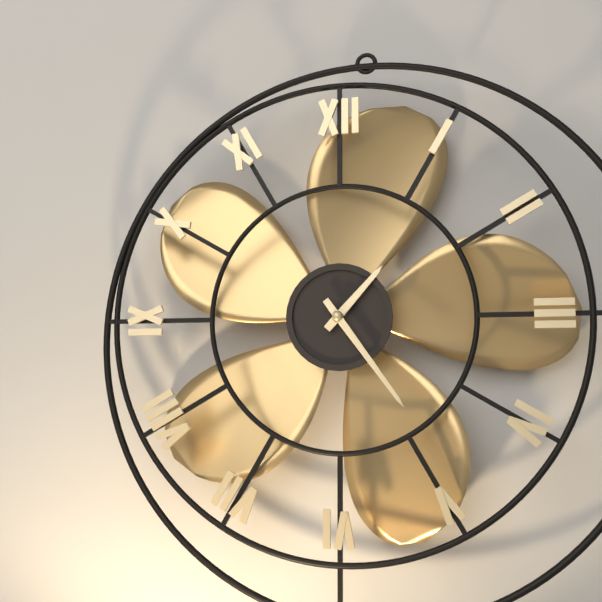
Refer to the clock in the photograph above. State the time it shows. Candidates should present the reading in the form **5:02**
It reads **1:24**
